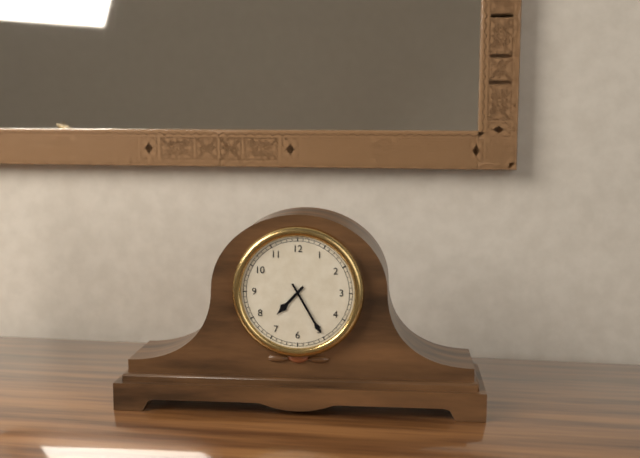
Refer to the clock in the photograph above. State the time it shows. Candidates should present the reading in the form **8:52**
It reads **7:25**
